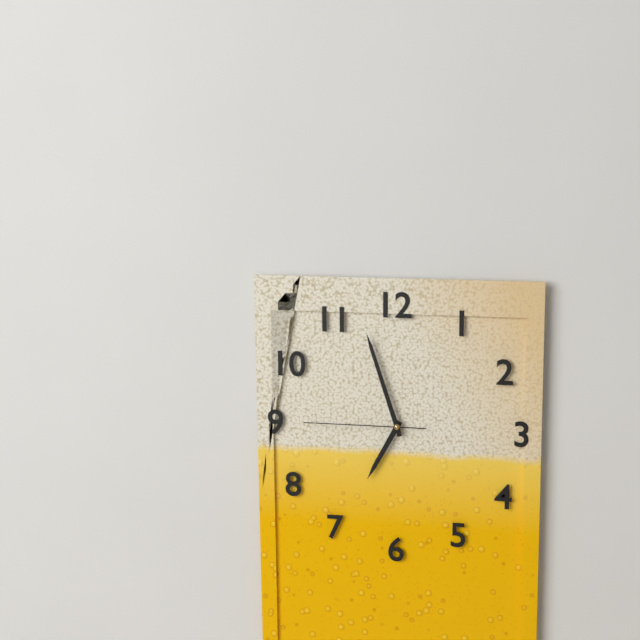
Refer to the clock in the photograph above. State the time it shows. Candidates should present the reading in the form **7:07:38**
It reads **6:57:45**
